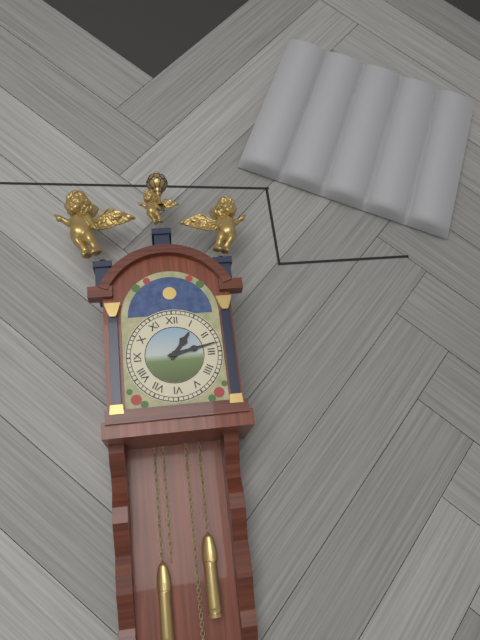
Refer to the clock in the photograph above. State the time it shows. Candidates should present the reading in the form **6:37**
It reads **1:13**
